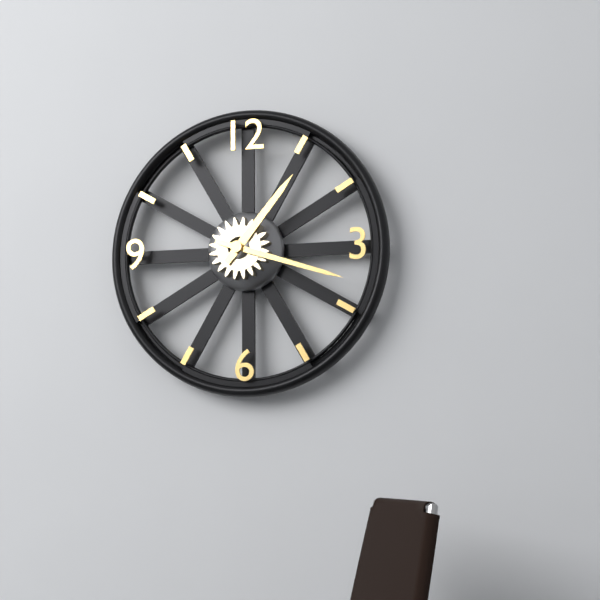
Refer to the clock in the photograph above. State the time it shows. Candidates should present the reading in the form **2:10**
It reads **1:18**
